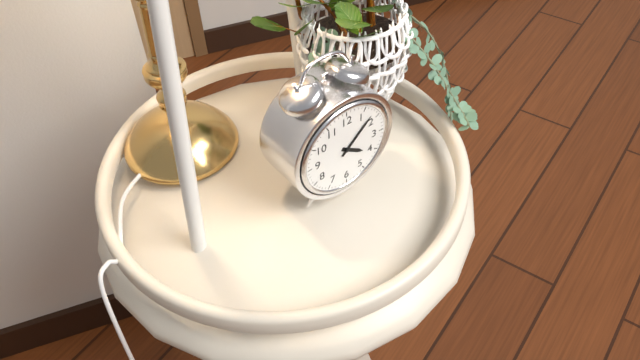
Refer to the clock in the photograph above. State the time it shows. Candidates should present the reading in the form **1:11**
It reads **4:08**
